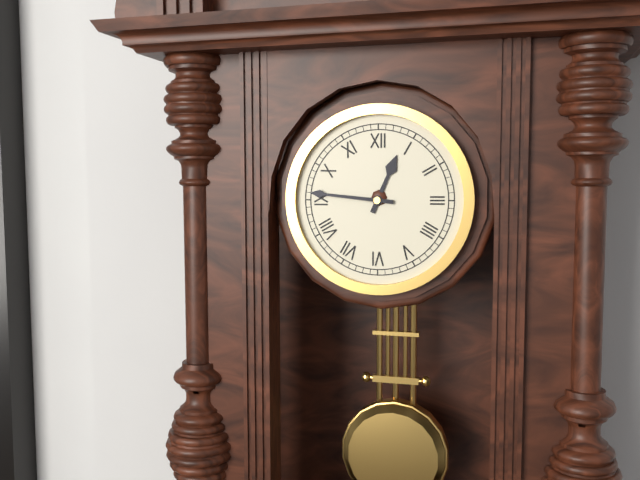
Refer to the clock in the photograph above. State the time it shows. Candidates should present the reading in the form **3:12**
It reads **12:46**
